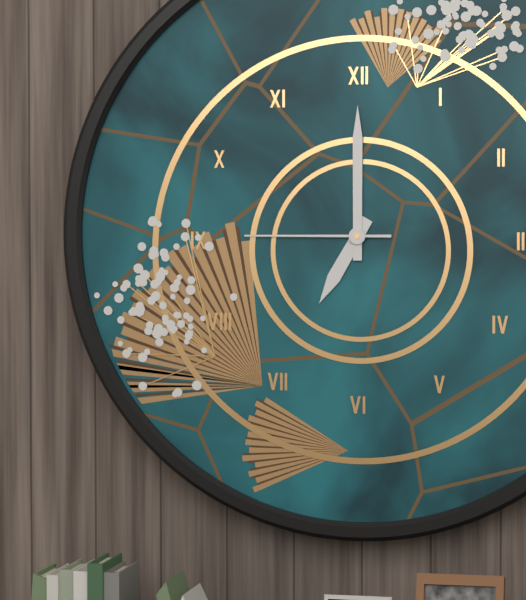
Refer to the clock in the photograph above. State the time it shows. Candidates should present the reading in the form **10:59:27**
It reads **7:00:45**
